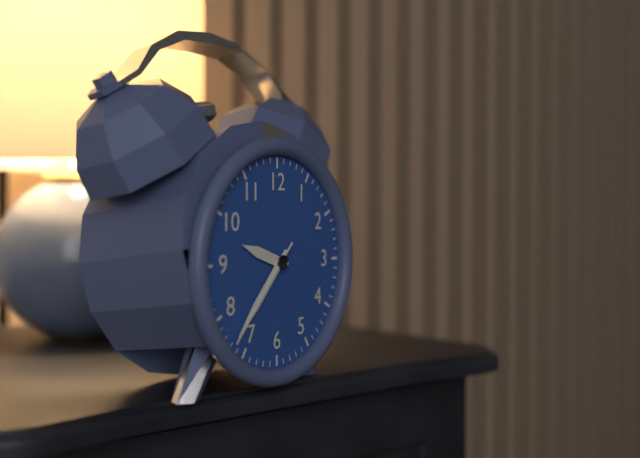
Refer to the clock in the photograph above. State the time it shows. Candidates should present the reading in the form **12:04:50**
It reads **9:37:37**
